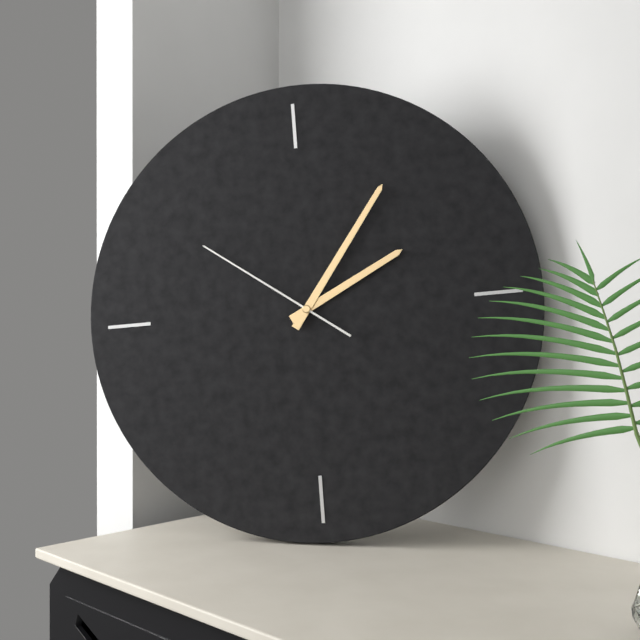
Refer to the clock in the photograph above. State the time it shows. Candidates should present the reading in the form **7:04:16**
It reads **2:06:51**
